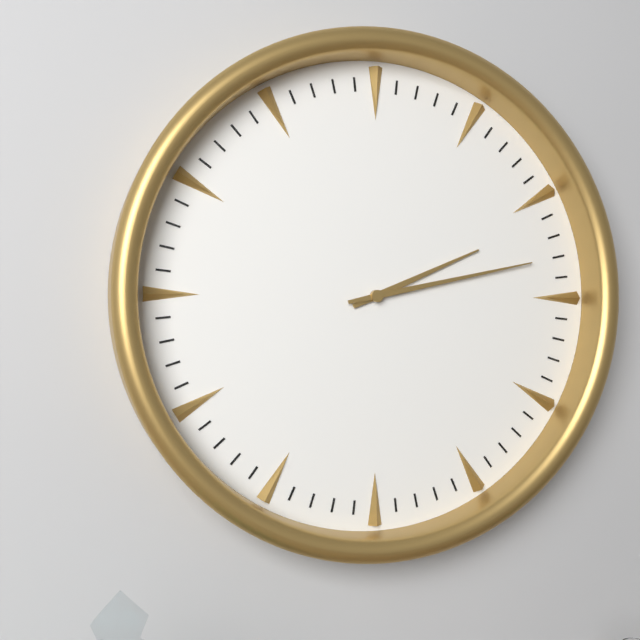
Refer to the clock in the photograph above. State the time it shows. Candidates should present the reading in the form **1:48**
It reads **2:13**
